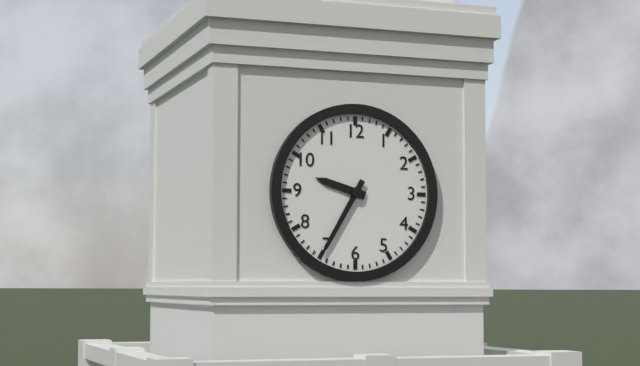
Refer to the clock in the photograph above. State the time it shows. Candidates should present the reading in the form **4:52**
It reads **9:35**
